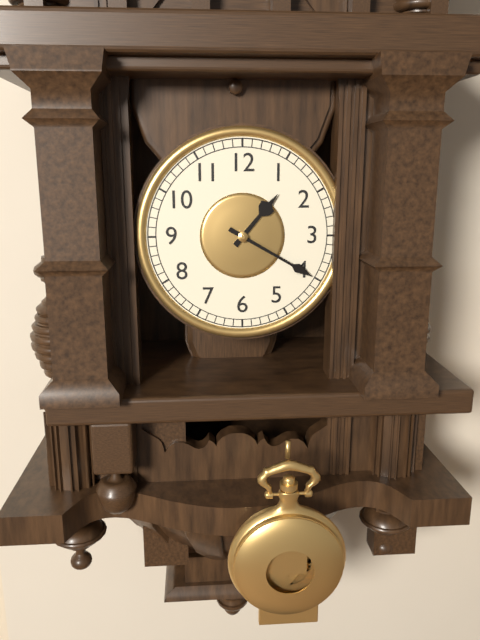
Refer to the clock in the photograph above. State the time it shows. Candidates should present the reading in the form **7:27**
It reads **1:20**
